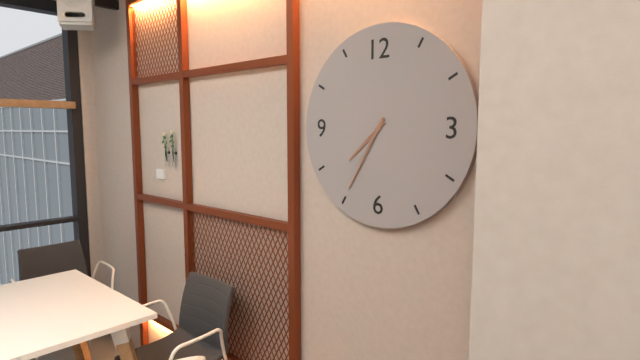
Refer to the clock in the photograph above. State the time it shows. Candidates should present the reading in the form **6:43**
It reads **7:35**
